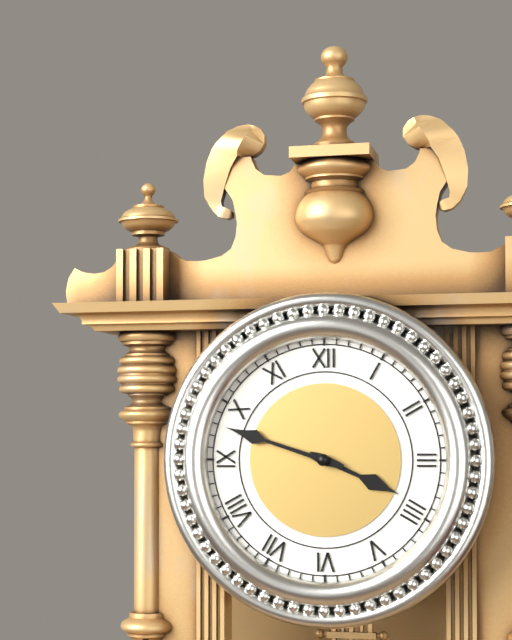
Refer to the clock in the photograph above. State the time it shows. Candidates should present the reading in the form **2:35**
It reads **3:48**
